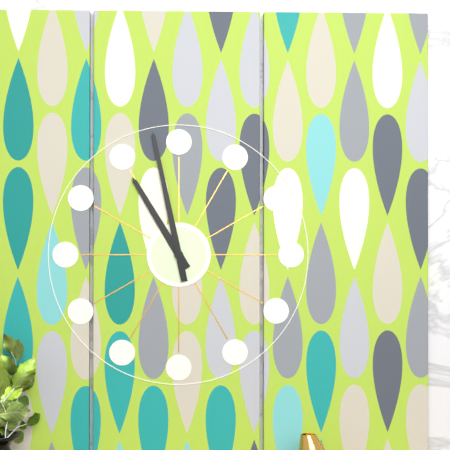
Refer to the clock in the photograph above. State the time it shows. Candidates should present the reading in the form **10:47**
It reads **10:58**
